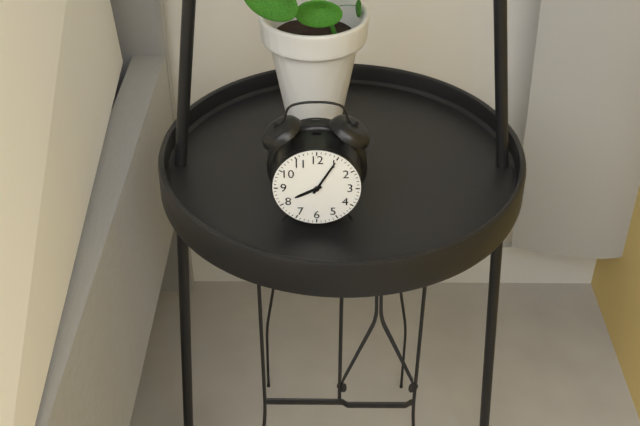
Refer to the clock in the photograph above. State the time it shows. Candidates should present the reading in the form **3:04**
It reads **8:05**
